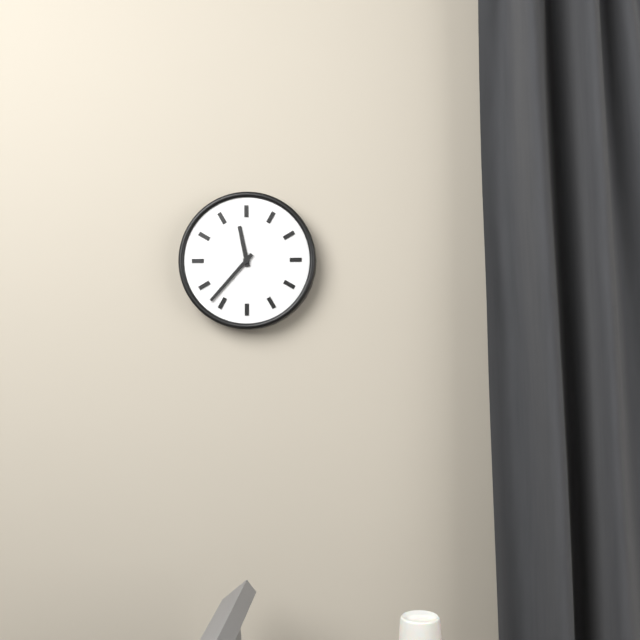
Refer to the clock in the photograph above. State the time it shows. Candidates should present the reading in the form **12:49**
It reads **11:37**
